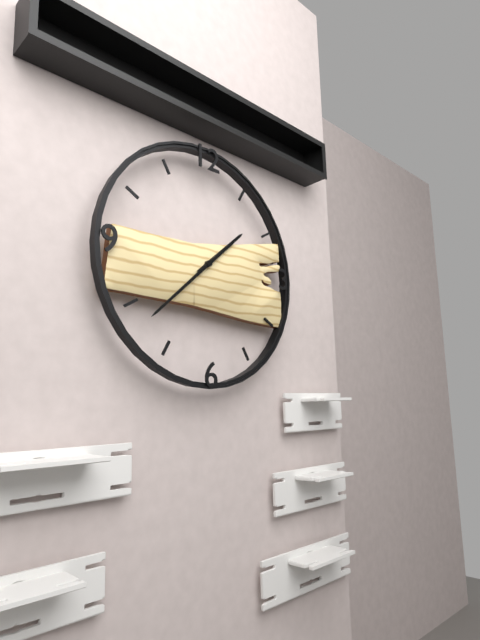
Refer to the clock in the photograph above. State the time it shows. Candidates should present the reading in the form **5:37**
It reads **1:38**
